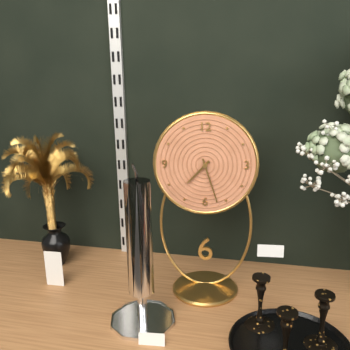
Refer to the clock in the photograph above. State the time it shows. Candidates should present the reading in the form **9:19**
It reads **7:27**
